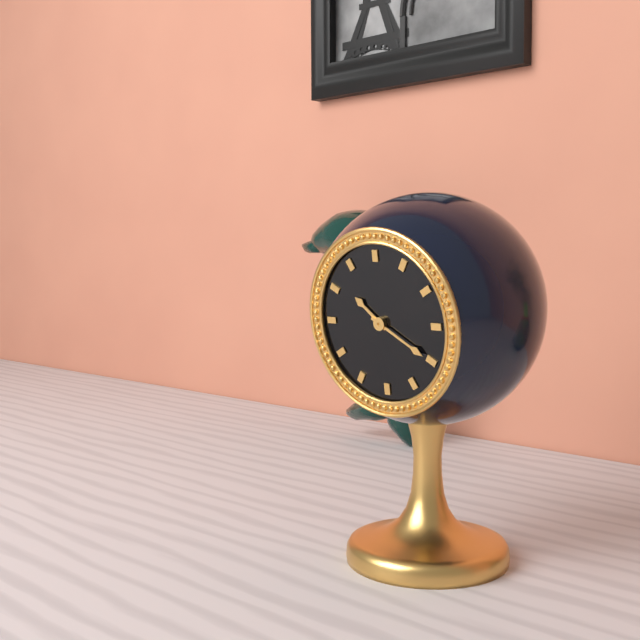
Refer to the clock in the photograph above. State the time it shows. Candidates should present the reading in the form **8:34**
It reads **10:20**
